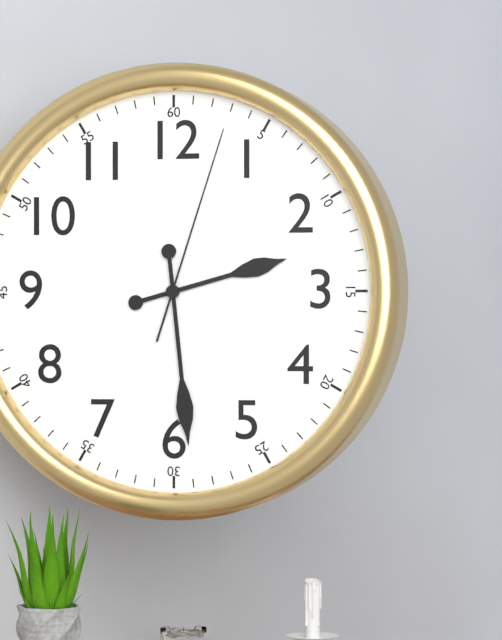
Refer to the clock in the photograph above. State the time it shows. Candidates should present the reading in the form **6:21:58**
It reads **2:29:03**
